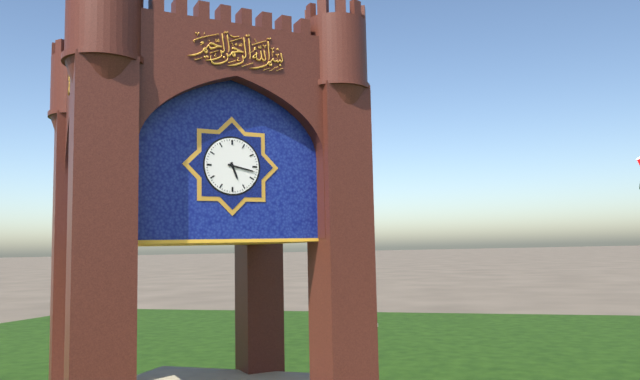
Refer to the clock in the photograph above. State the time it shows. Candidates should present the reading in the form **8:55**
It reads **5:17**
